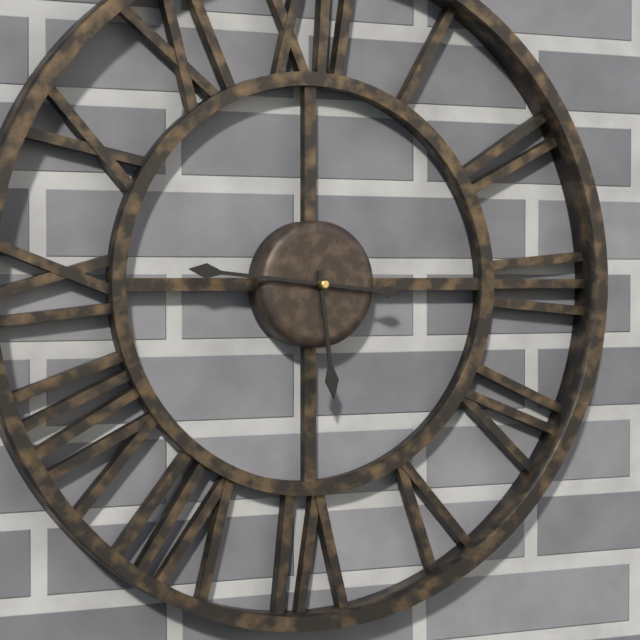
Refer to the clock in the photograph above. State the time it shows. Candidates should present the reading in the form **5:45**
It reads **5:46**
